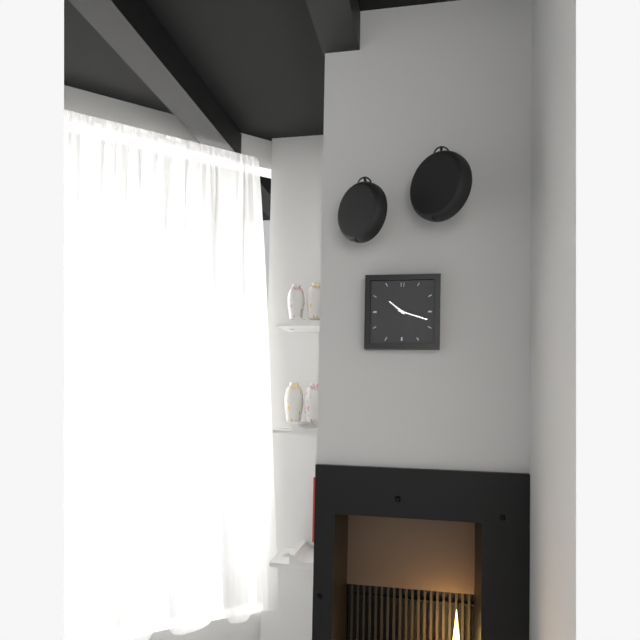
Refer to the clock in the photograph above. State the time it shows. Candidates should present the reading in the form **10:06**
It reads **10:18**
